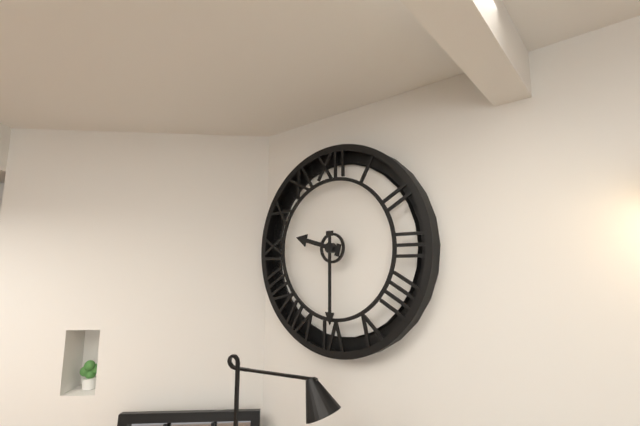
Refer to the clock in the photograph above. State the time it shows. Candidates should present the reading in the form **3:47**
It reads **9:30**
